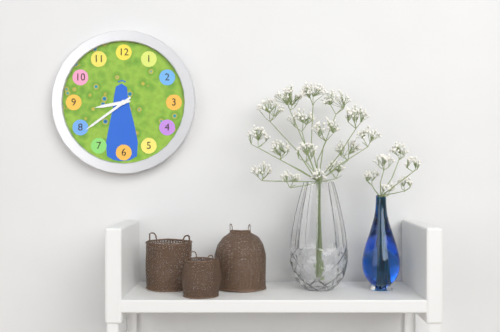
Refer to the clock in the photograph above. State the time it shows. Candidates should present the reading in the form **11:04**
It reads **8:39**
